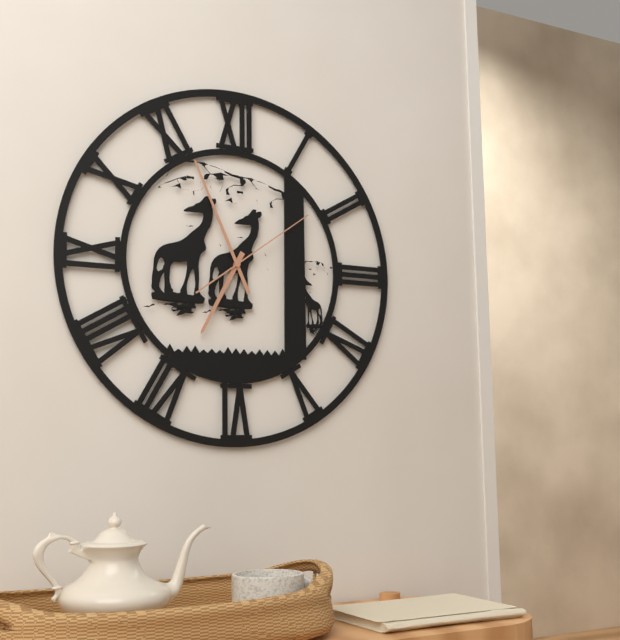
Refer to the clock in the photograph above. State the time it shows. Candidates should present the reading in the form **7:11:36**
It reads **6:56:09**
